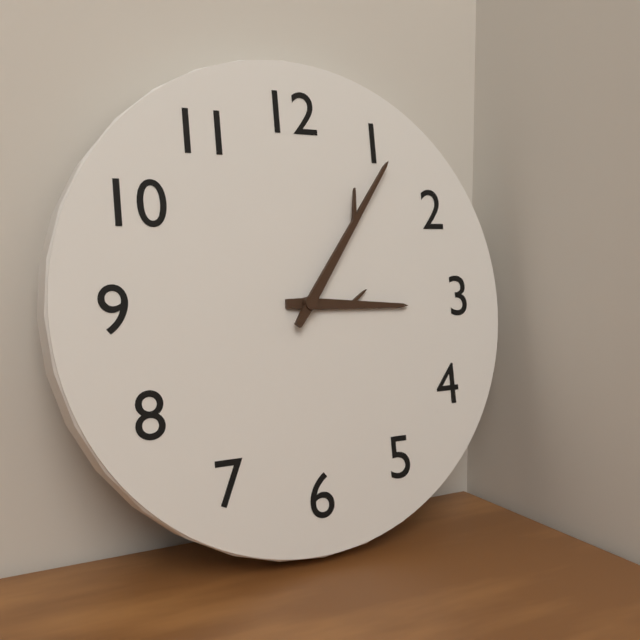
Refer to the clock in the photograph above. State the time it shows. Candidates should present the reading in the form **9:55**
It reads **3:06**
